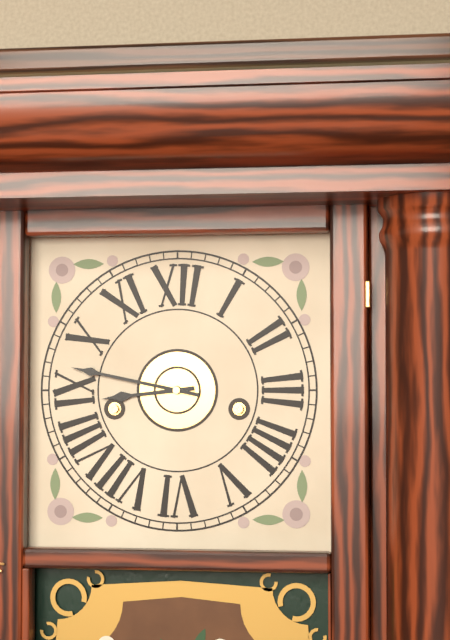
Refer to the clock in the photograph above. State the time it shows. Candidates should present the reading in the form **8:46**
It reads **8:47**
